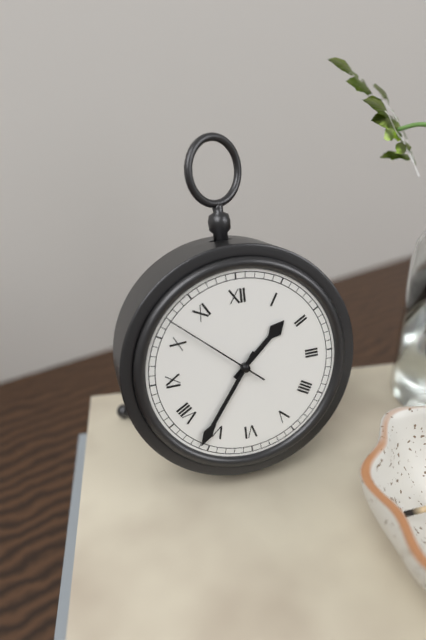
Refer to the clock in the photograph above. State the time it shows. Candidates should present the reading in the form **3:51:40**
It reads **1:36:52**
